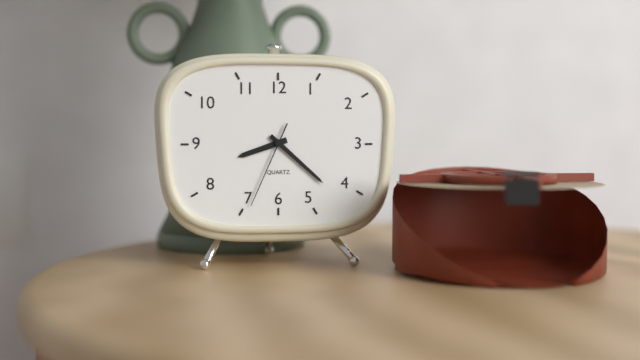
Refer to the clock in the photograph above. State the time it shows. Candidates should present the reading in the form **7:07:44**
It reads **8:22:34**
